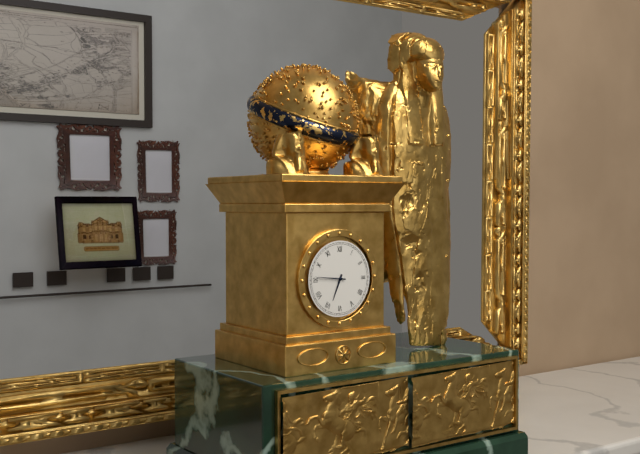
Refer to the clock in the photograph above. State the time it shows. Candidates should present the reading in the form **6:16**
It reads **6:46**
